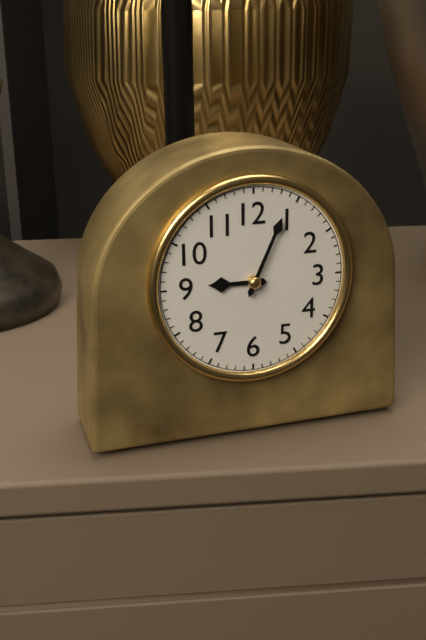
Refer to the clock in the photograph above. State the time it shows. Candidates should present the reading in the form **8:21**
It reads **9:04**
